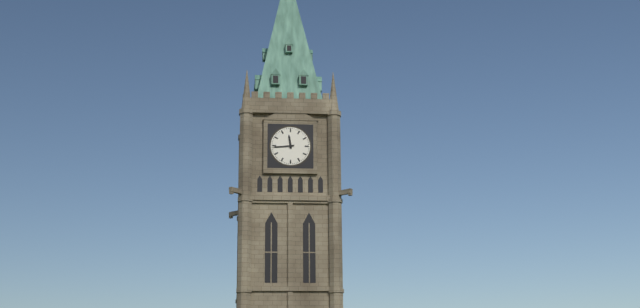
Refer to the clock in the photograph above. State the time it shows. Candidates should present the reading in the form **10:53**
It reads **11:44**
